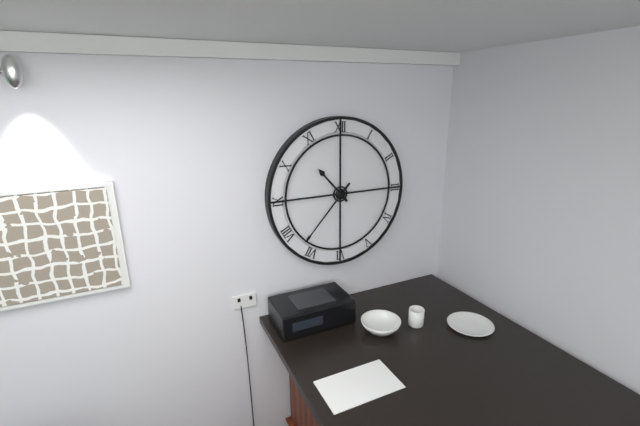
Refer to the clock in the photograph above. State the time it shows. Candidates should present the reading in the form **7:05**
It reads **10:37**
